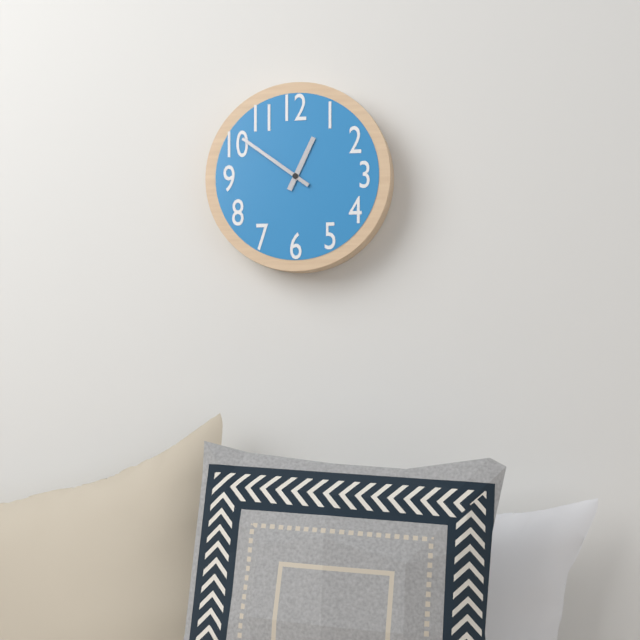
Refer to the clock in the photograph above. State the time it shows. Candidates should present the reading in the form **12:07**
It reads **12:51**
